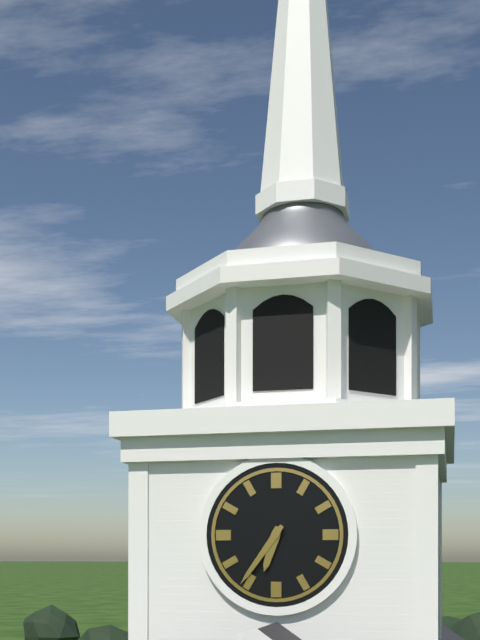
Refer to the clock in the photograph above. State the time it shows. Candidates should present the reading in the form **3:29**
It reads **6:36**
